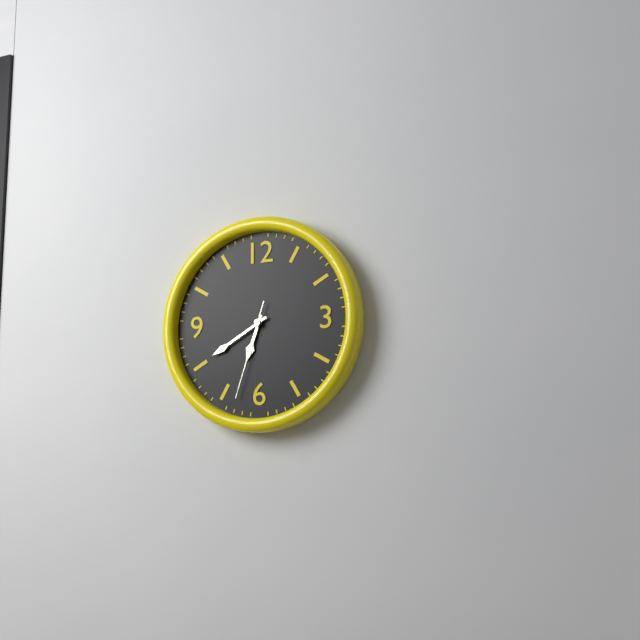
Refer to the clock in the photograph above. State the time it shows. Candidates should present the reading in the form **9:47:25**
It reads **6:40:33**
